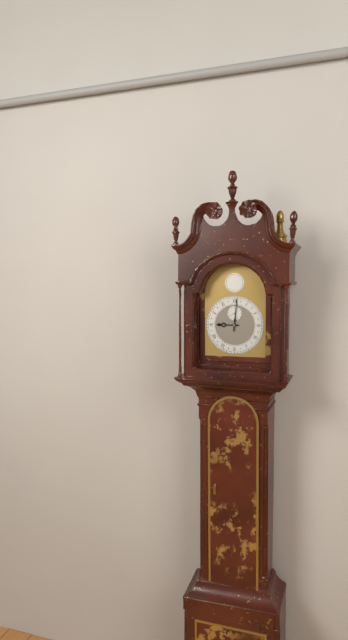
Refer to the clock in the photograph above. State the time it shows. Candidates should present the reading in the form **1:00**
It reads **9:01**
